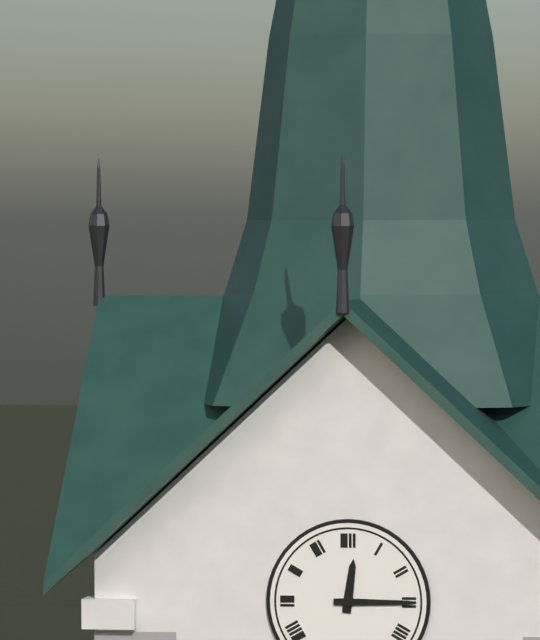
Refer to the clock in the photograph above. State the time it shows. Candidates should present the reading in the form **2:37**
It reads **12:15**
